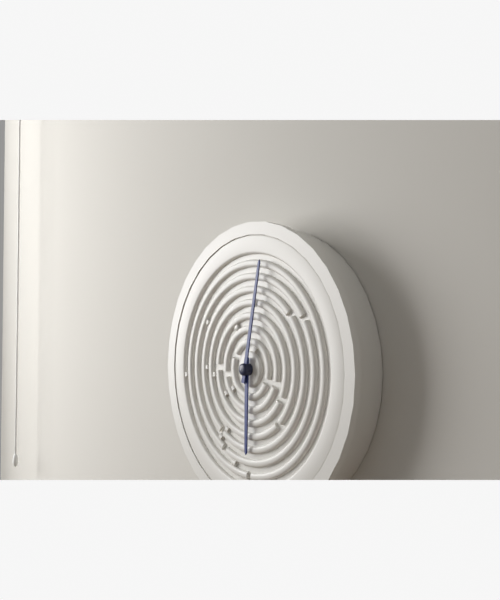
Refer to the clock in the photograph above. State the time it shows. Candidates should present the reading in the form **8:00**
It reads **6:02**
